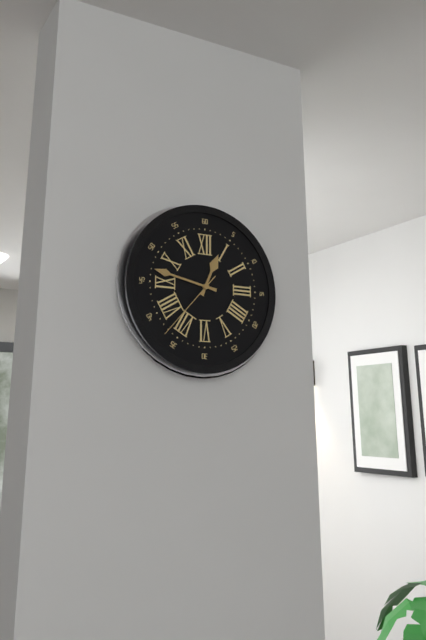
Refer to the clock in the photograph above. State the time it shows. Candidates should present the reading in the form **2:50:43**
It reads **12:47:37**
